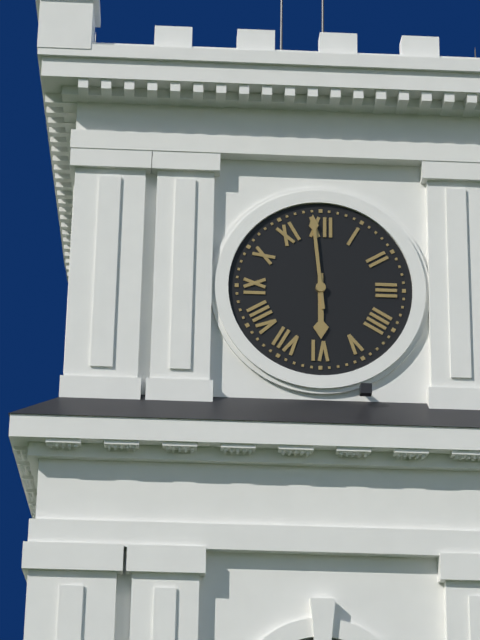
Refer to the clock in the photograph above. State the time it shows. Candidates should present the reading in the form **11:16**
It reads **5:59**
